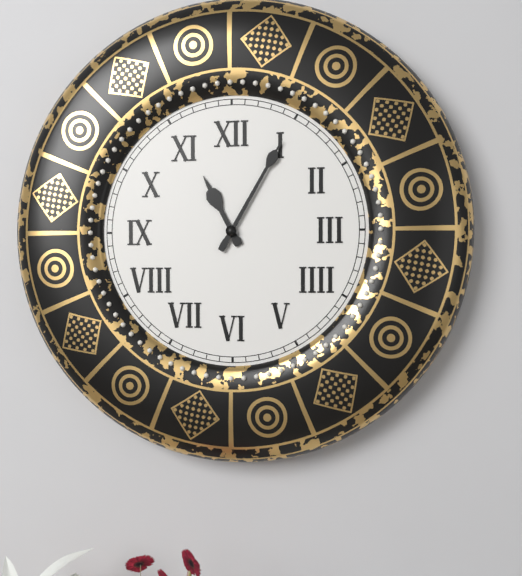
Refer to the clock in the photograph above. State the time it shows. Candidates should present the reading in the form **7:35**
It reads **11:05**
